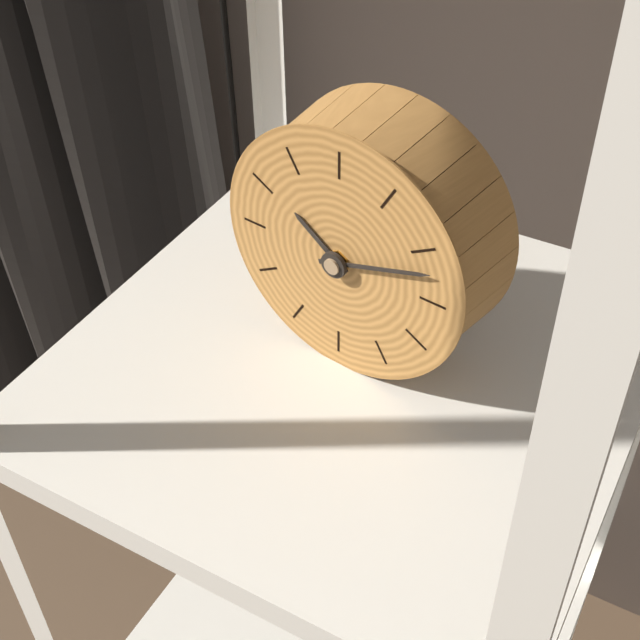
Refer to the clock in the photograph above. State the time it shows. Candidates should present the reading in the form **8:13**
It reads **10:12**
